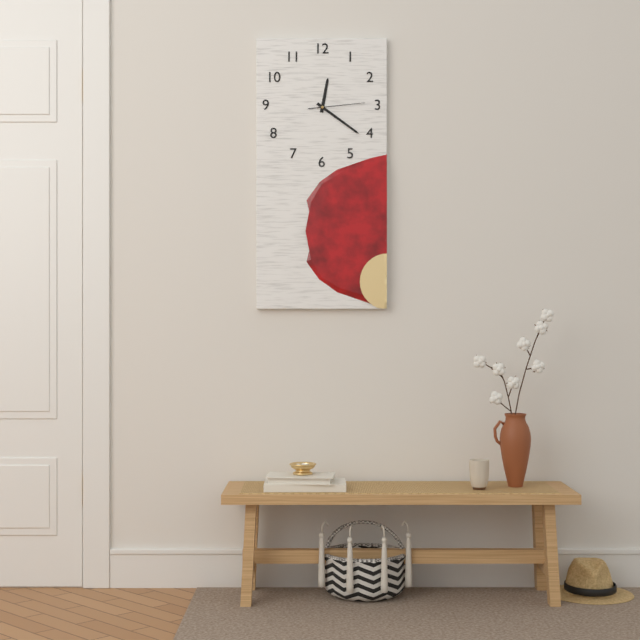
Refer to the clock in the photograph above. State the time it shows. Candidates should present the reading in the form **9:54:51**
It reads **12:21:14**
